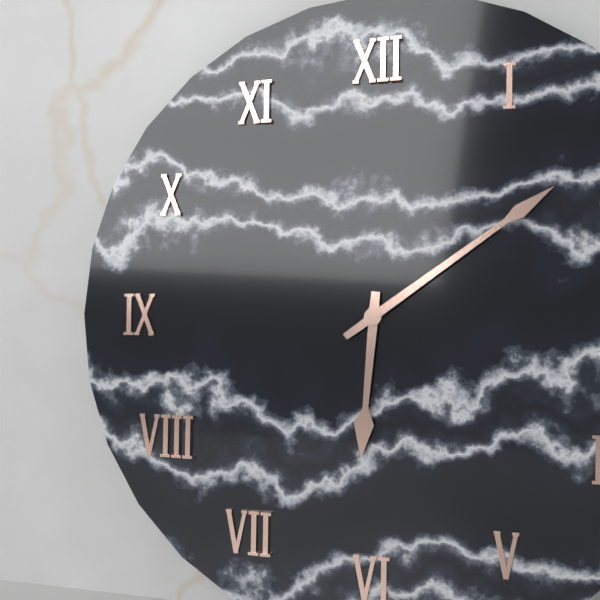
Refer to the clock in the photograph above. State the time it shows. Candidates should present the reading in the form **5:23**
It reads **6:09**
